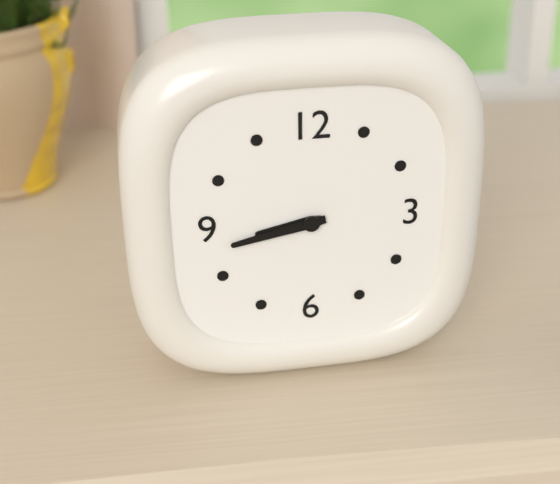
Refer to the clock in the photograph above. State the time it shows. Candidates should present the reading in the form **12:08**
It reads **8:43**
